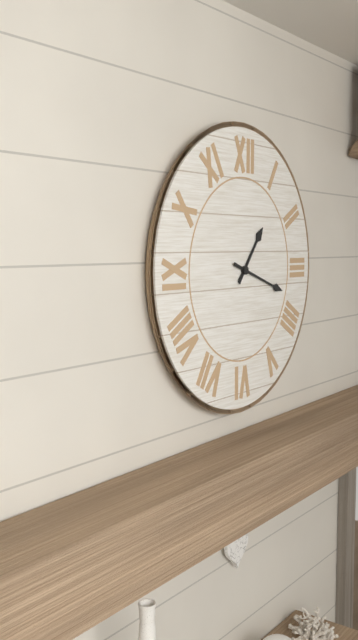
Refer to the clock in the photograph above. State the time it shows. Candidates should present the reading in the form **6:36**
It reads **1:18**
